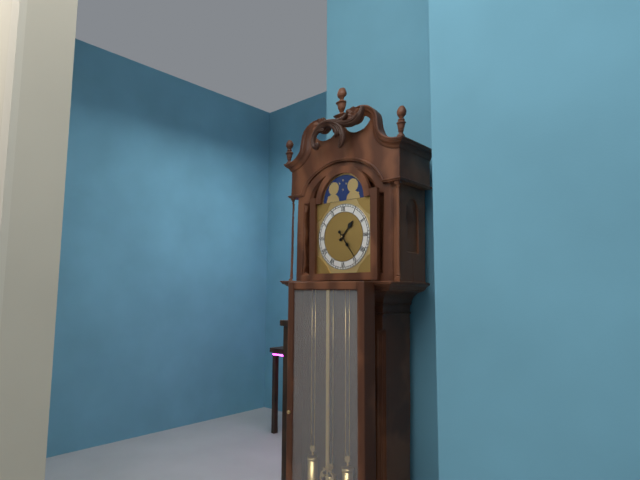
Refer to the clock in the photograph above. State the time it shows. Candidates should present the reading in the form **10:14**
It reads **1:24**
